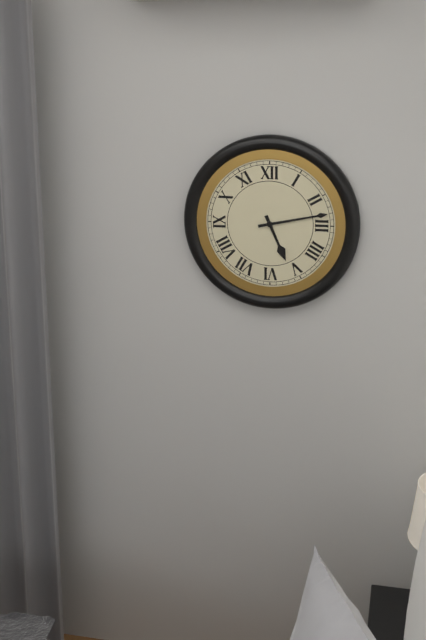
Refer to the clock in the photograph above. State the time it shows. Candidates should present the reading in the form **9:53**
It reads **5:13**
